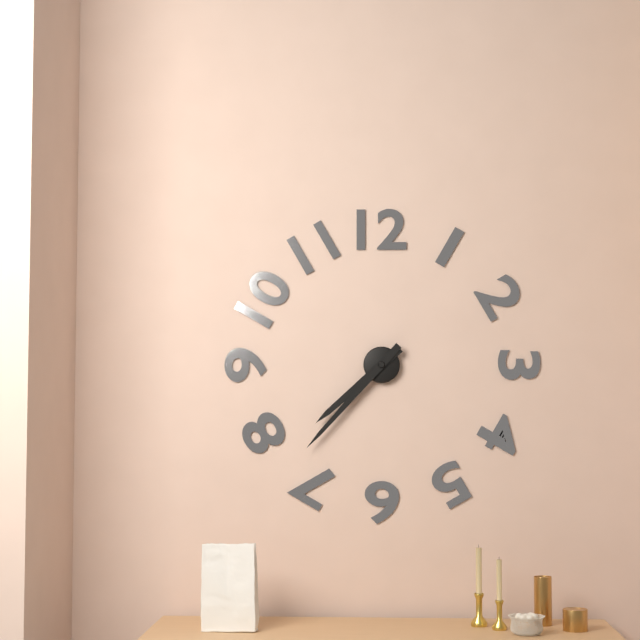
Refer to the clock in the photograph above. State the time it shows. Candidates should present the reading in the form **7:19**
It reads **7:37**
